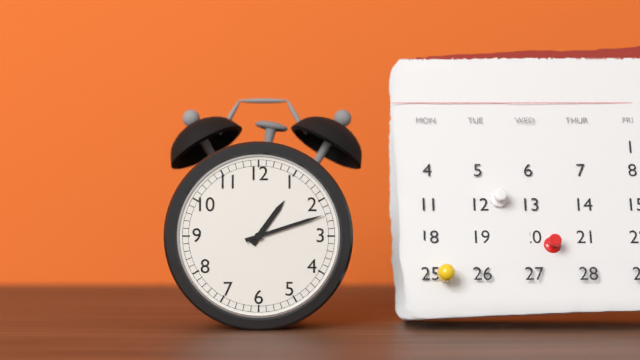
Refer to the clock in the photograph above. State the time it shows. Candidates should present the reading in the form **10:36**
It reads **1:12**
